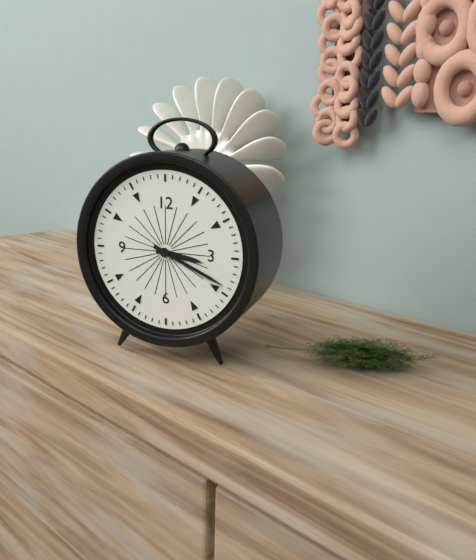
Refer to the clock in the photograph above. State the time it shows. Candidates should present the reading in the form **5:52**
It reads **3:19**
